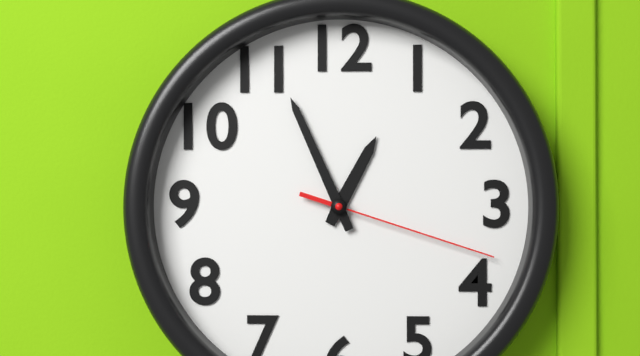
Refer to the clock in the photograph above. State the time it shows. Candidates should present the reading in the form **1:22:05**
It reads **12:56:18**
